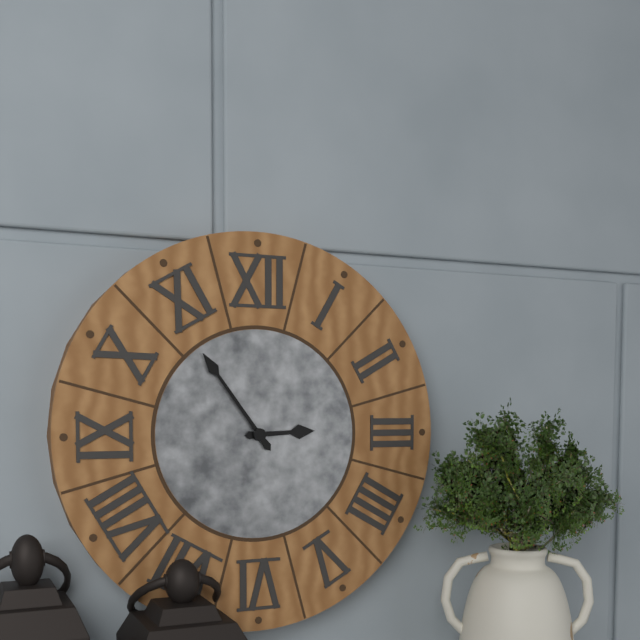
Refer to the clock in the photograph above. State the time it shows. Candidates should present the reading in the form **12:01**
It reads **2:54**
